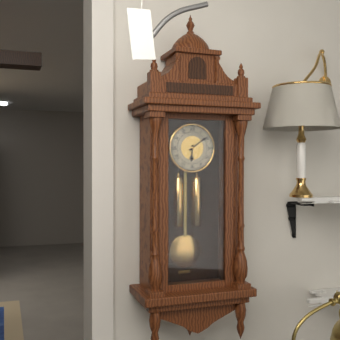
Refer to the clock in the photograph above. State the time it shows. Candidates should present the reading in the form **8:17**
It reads **6:09**
